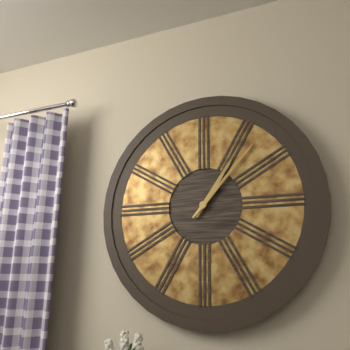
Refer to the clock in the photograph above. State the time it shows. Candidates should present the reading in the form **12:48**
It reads **1:07**
